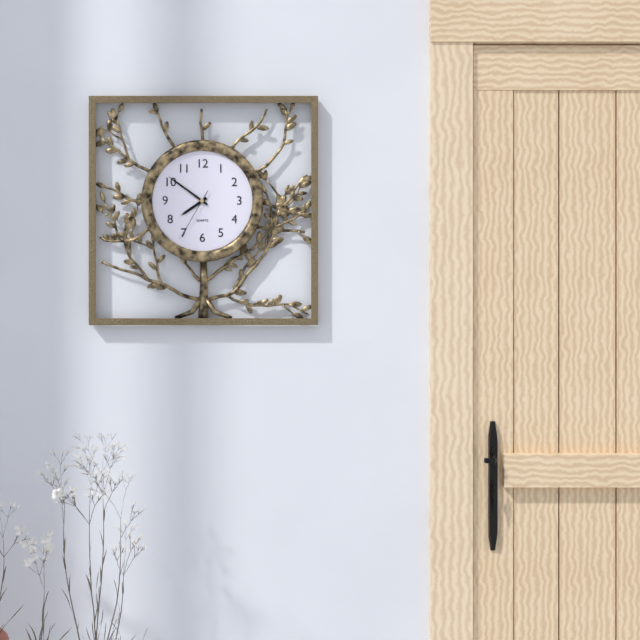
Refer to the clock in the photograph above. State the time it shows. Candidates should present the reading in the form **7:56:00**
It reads **7:51:35**
